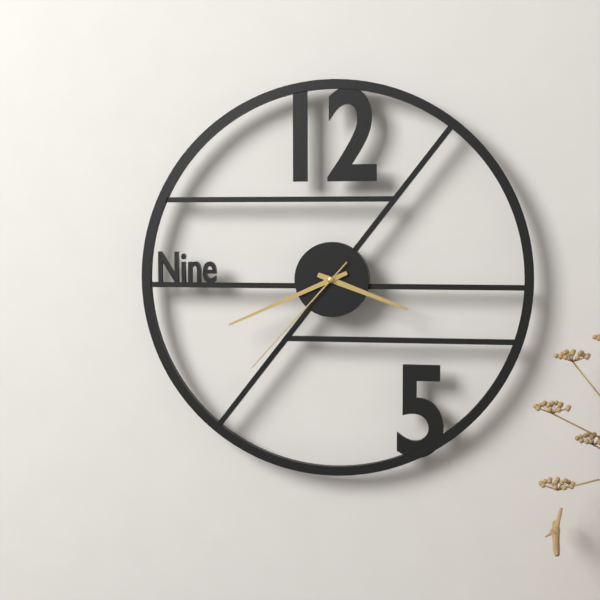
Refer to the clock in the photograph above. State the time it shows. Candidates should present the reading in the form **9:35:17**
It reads **3:41:37**
